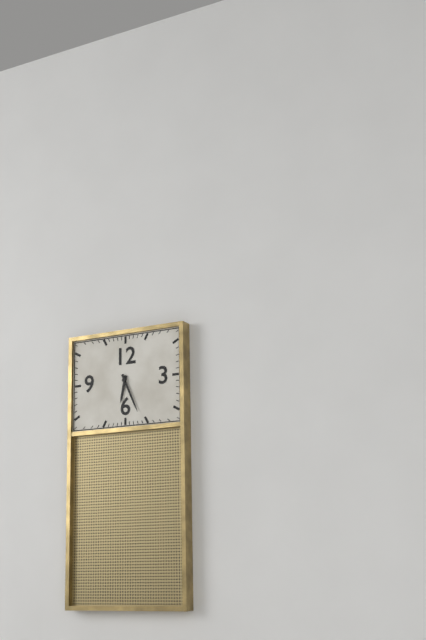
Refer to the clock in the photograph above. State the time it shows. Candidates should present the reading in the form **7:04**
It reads **6:26**
